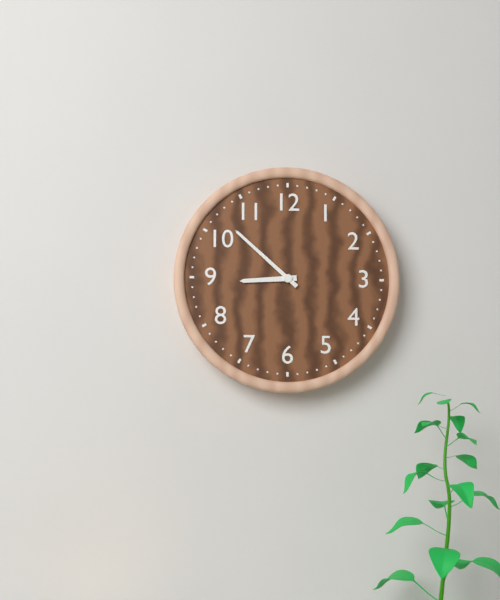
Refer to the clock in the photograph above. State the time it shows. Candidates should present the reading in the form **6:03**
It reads **8:52**
